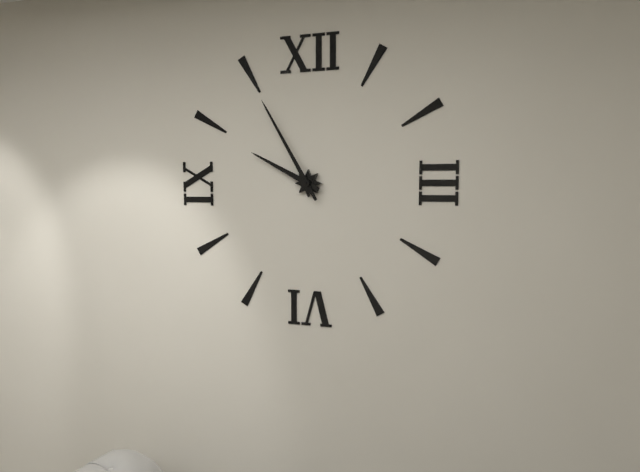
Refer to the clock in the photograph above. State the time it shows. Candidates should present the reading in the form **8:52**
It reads **9:55**
